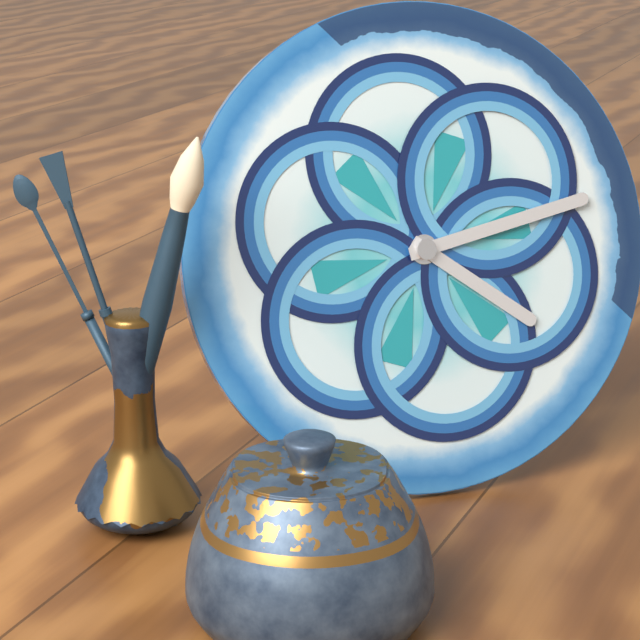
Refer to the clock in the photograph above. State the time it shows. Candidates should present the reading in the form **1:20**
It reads **4:13**
